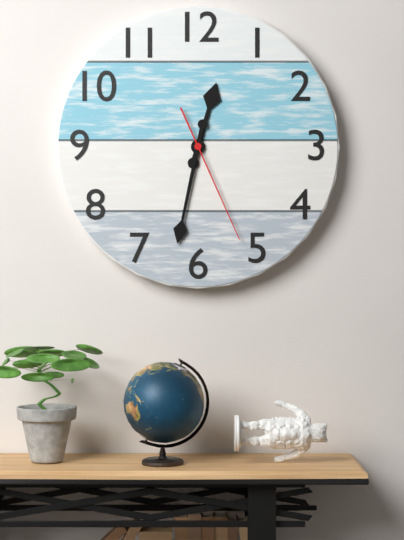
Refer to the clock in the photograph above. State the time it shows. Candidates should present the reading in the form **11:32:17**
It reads **12:32:26**
